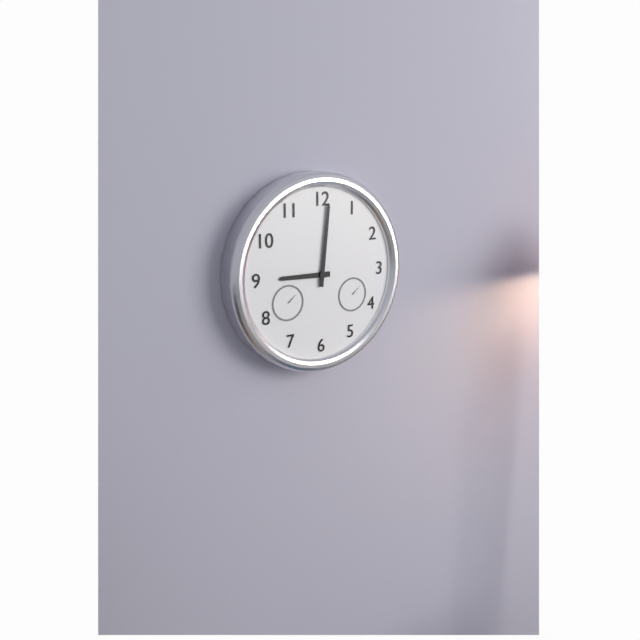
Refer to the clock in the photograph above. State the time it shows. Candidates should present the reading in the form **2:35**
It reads **9:01**
